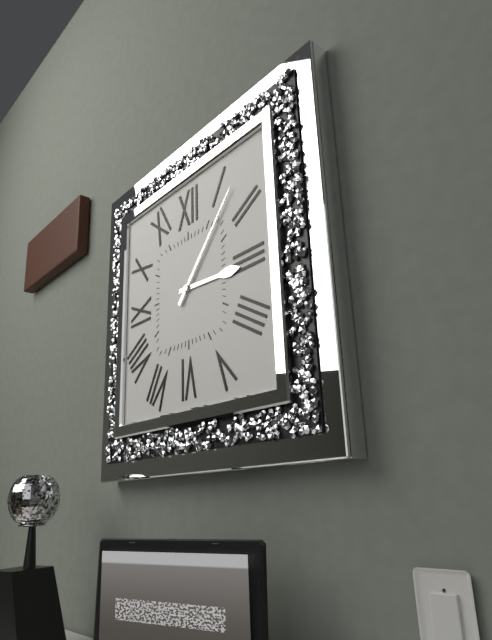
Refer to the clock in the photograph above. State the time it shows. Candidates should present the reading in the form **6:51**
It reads **3:07**
